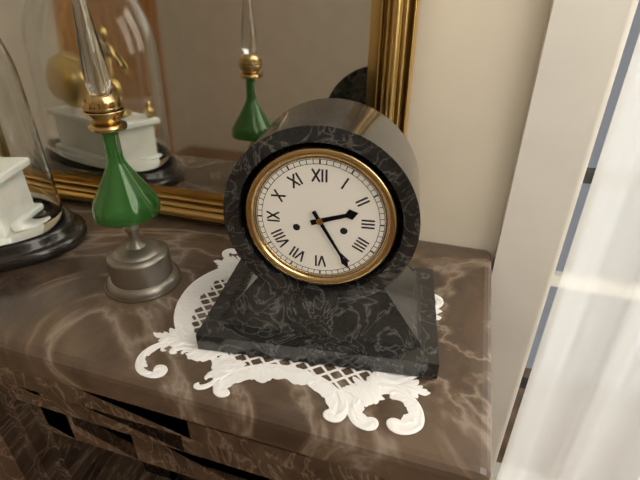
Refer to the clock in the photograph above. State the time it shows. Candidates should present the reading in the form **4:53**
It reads **2:25**
